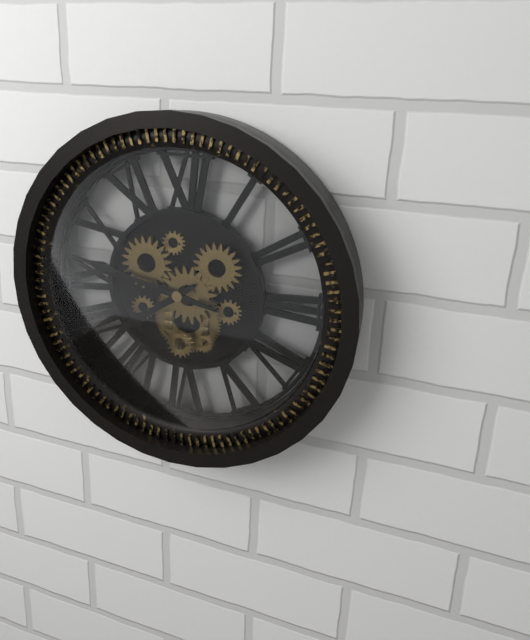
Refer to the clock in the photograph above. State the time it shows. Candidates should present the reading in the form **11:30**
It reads **7:47**
